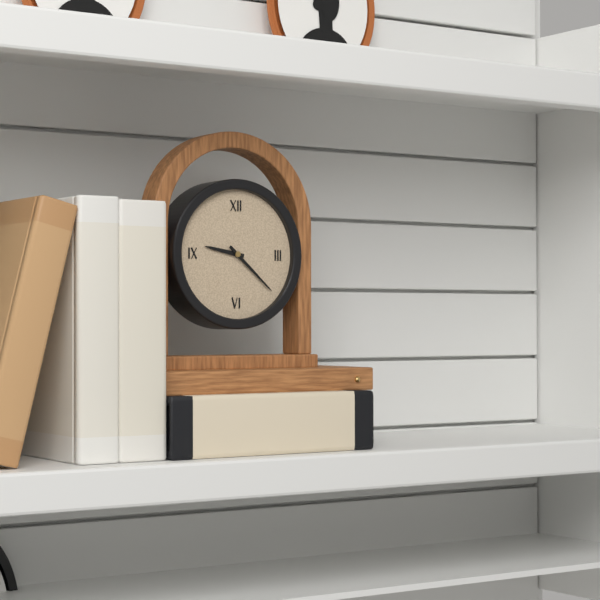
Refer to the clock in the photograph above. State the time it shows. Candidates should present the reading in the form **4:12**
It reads **9:22**
